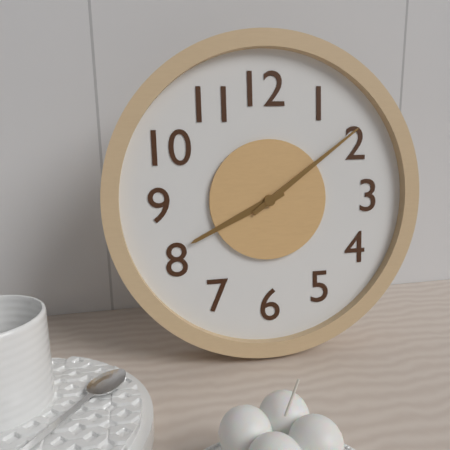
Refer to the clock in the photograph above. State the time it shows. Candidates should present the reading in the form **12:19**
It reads **8:09**
